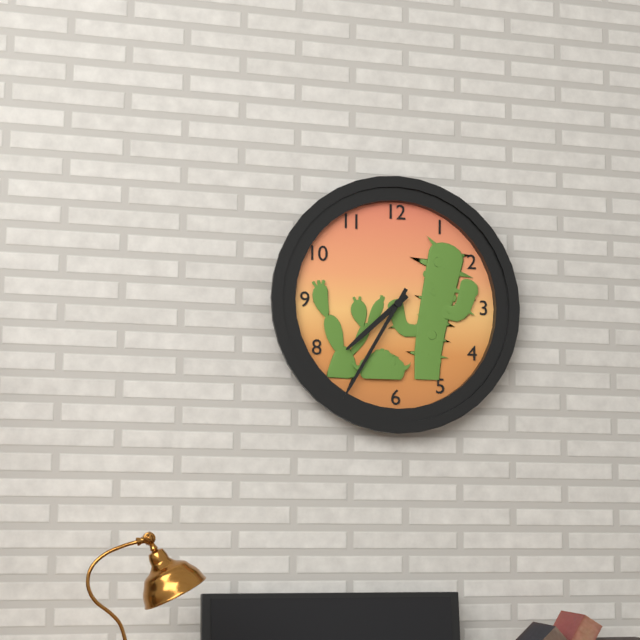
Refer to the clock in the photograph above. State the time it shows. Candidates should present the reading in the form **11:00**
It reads **7:35**
